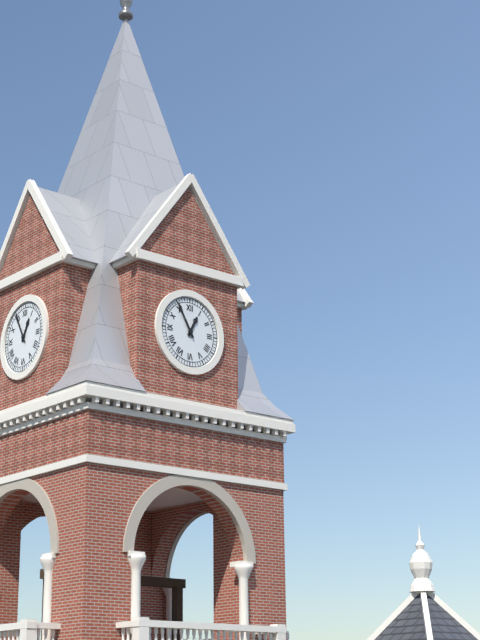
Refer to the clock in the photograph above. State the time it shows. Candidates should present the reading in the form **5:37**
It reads **12:55**
